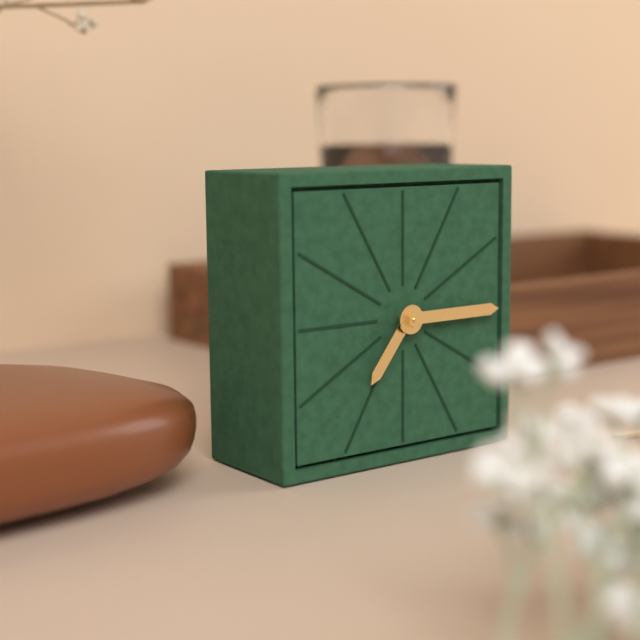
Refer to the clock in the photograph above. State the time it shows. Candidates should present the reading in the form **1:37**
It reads **7:15**
